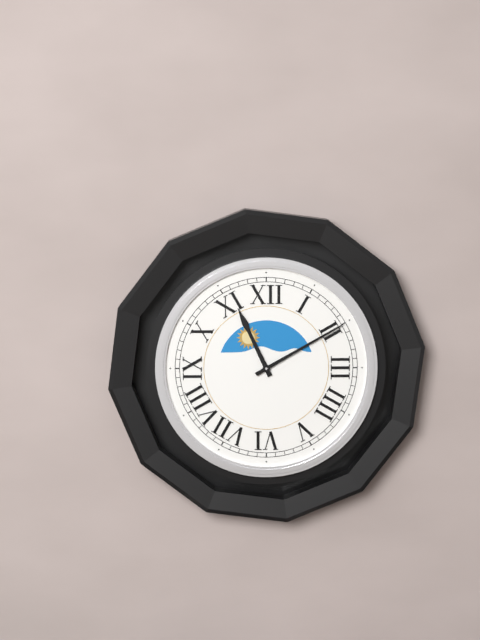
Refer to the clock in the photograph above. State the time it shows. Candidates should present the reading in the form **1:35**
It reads **11:10**
